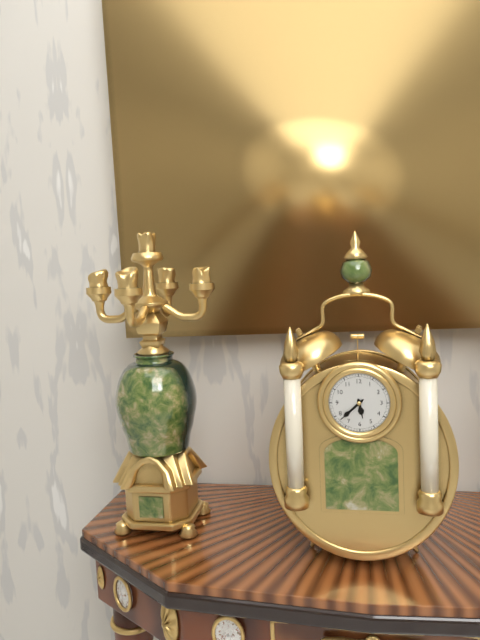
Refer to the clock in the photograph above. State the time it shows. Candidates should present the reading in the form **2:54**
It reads **5:38**
